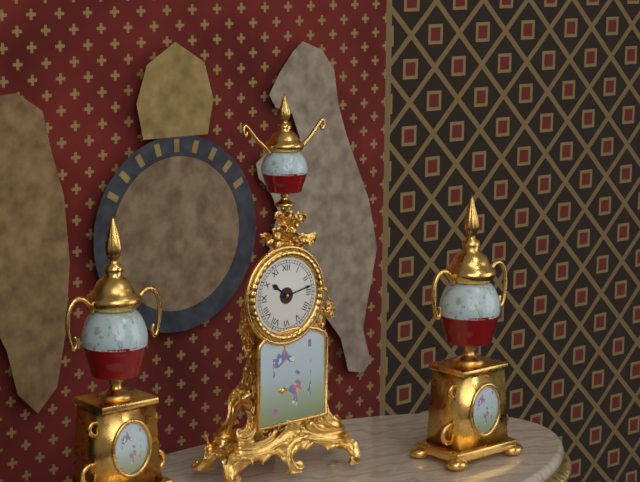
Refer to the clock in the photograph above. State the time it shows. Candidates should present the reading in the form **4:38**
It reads **10:13**
